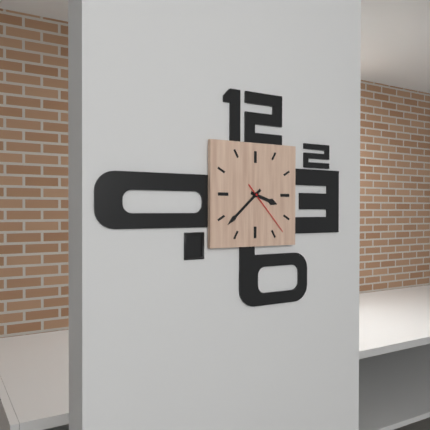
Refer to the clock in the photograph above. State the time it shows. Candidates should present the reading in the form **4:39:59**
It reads **3:38:23**
